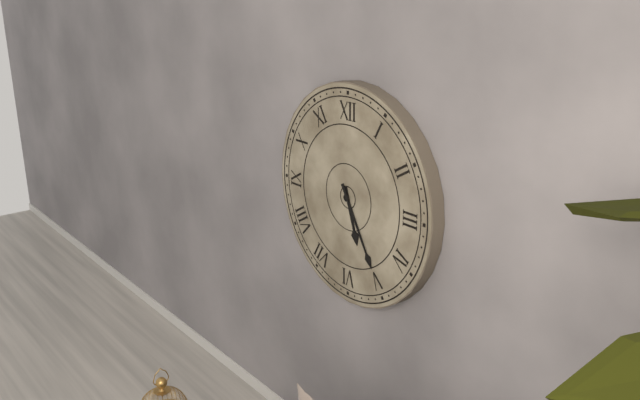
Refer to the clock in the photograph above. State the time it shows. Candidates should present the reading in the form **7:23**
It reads **5:25**
